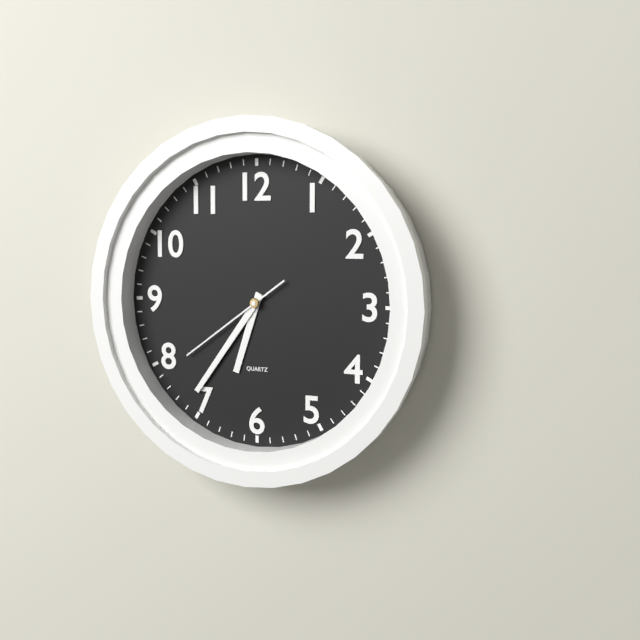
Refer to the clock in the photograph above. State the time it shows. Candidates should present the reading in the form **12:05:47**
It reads **6:36:39**
